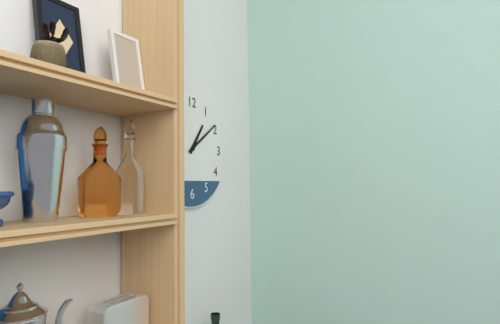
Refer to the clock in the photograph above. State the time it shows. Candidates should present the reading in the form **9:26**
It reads **1:09**
